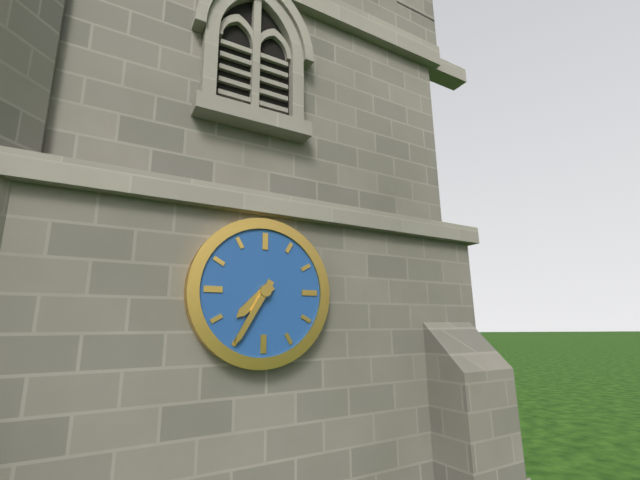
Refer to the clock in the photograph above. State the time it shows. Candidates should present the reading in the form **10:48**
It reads **7:35**
